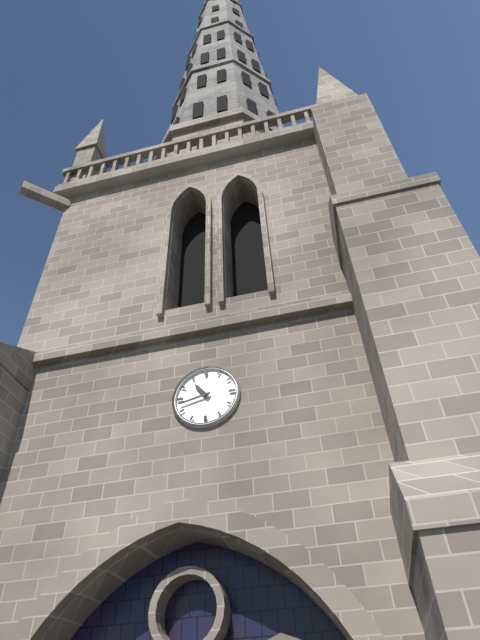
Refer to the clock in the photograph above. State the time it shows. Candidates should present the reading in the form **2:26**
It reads **10:43**
